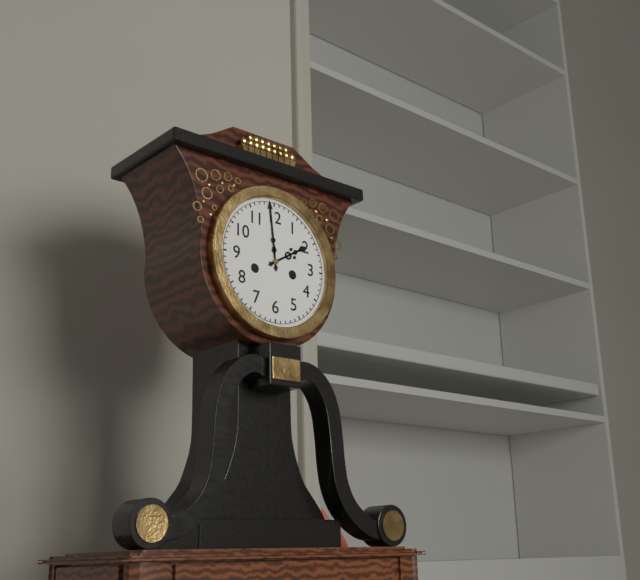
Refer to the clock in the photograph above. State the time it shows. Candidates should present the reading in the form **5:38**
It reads **1:59**
